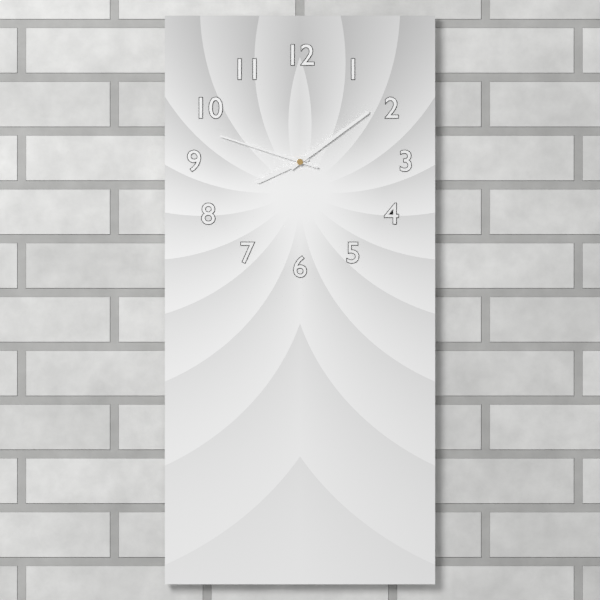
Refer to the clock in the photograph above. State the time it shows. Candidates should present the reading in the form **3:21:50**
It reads **8:09:48**
